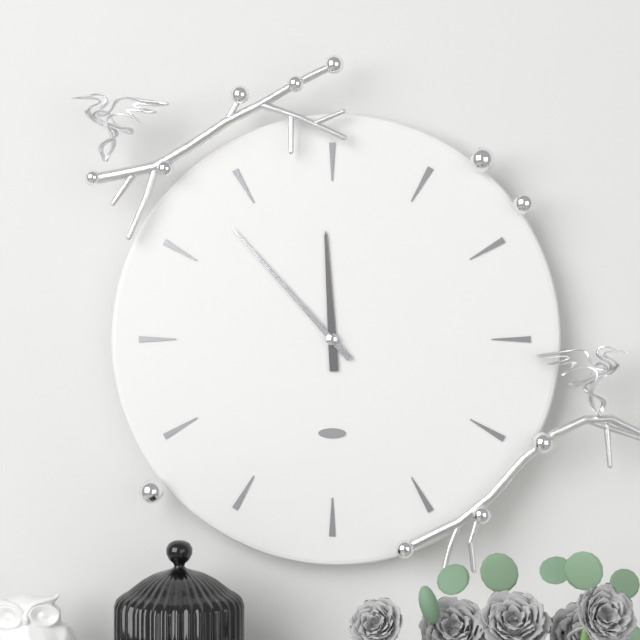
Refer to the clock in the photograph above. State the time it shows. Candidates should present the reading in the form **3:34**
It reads **11:53**
